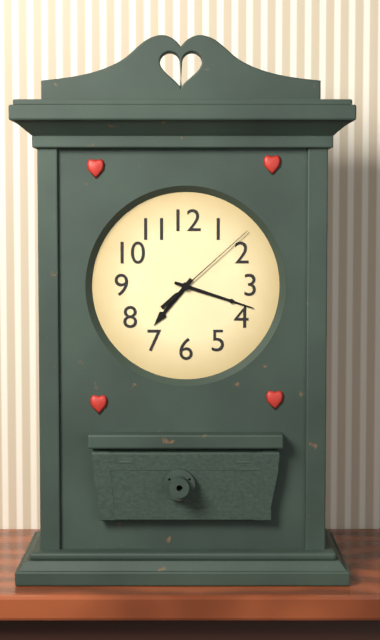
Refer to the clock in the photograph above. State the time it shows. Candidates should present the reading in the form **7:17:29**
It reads **7:18:08**
